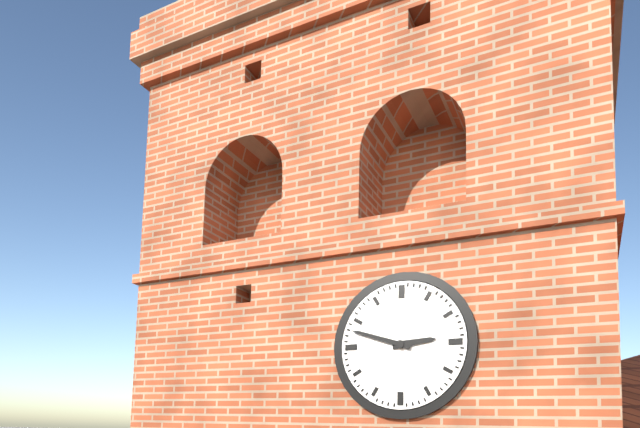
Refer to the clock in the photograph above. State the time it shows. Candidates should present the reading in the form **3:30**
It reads **2:48**
